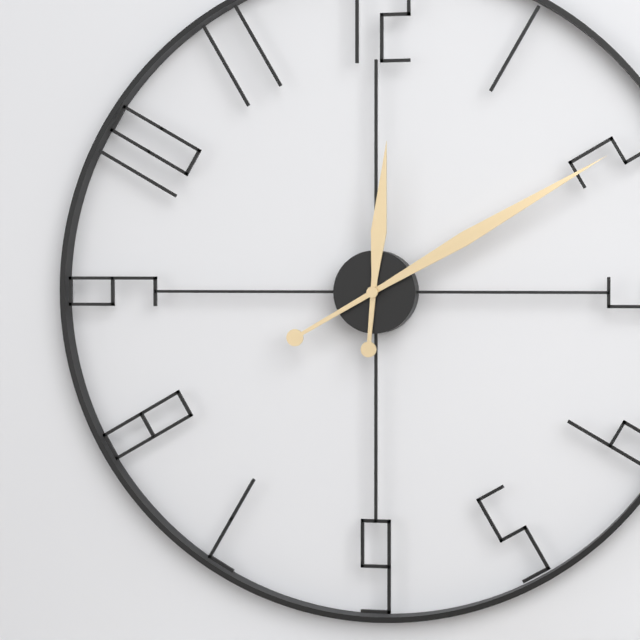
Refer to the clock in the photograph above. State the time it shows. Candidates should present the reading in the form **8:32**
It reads **12:10**
